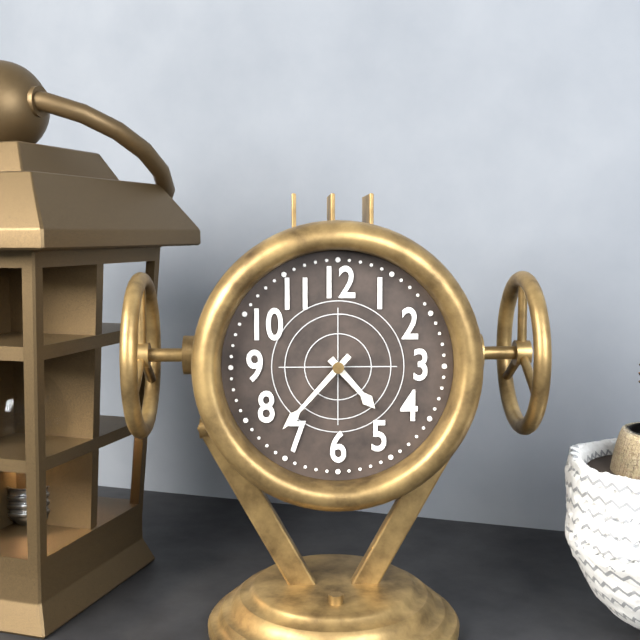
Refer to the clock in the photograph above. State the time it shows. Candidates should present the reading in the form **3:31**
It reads **4:37**
